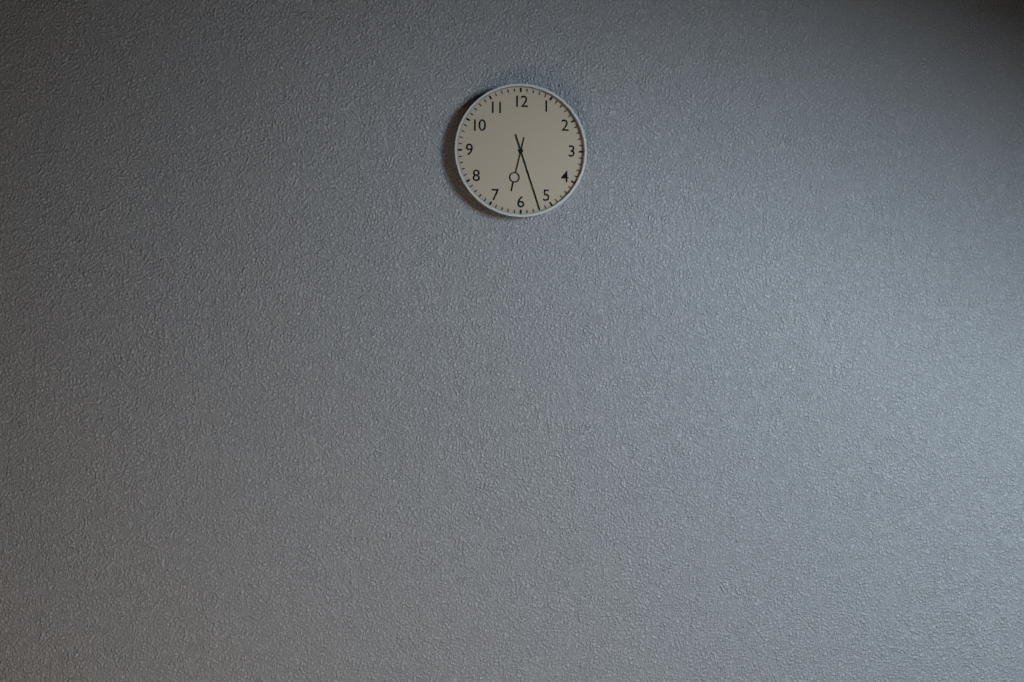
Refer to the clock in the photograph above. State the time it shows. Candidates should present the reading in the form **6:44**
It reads **6:27**
